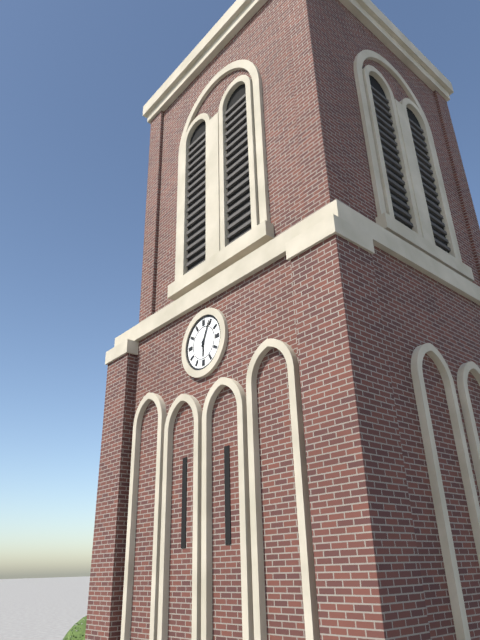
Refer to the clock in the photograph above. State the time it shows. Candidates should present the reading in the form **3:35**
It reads **6:04**
